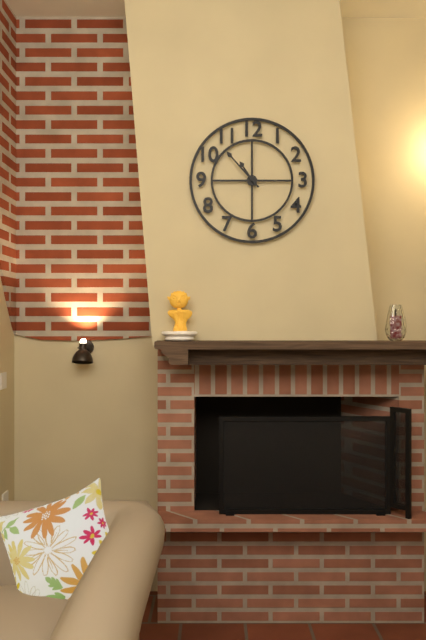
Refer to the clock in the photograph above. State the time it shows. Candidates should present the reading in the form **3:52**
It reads **10:53**
